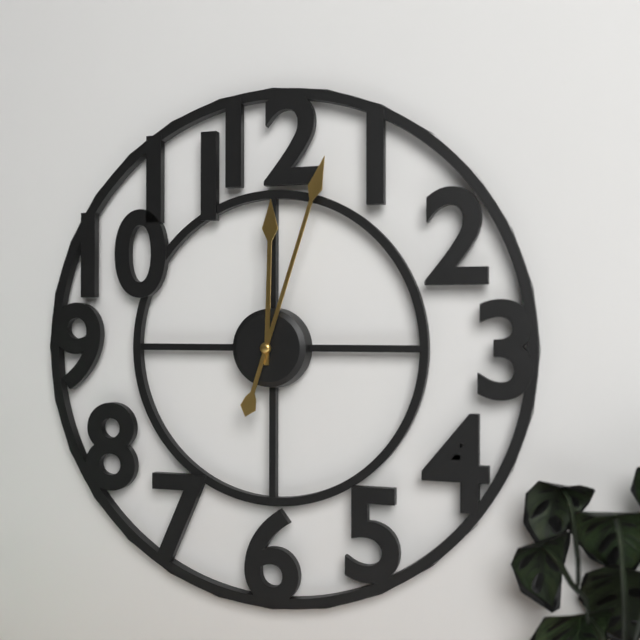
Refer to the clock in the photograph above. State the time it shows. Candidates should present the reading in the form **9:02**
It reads **12:03**
